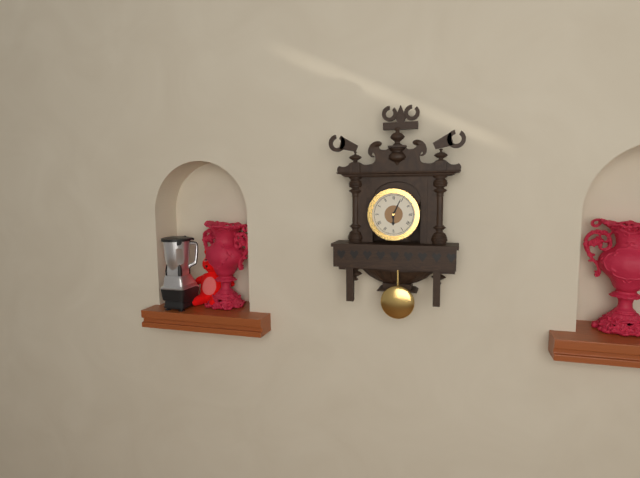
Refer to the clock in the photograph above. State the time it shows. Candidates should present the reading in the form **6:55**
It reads **6:04**
